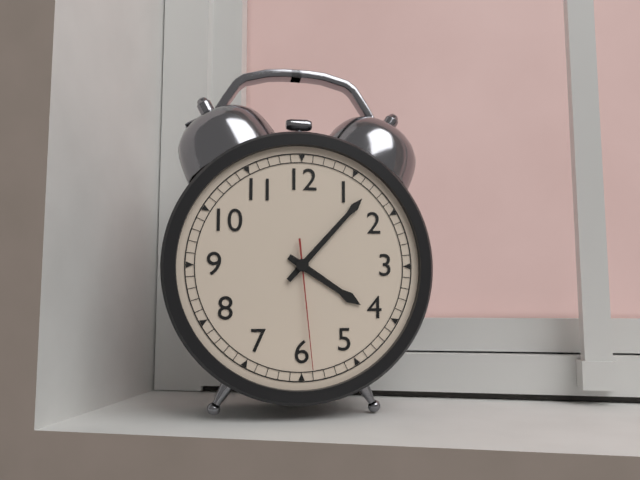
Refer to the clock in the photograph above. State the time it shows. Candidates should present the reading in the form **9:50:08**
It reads **4:07:29**
